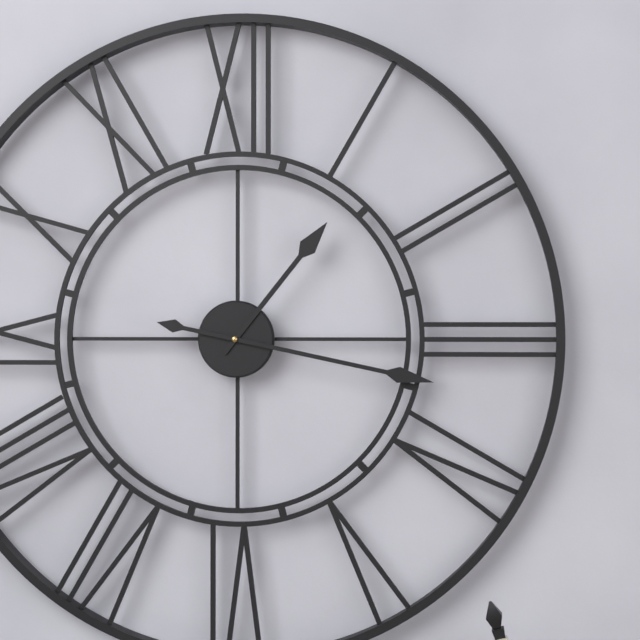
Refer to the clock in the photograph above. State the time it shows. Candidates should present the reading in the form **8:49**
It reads **1:17**
